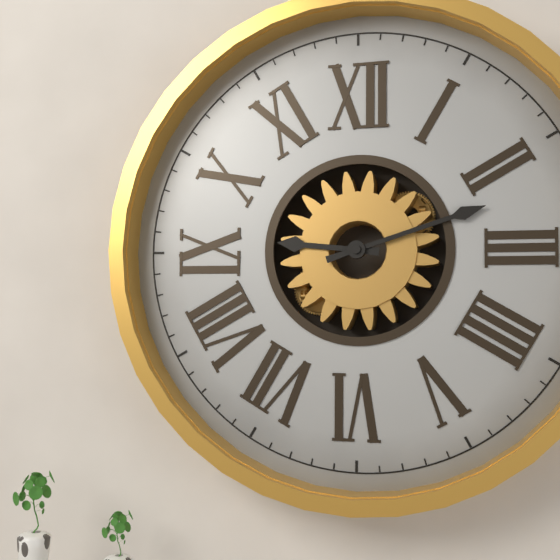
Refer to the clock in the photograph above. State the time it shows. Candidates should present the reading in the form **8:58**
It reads **9:12**
